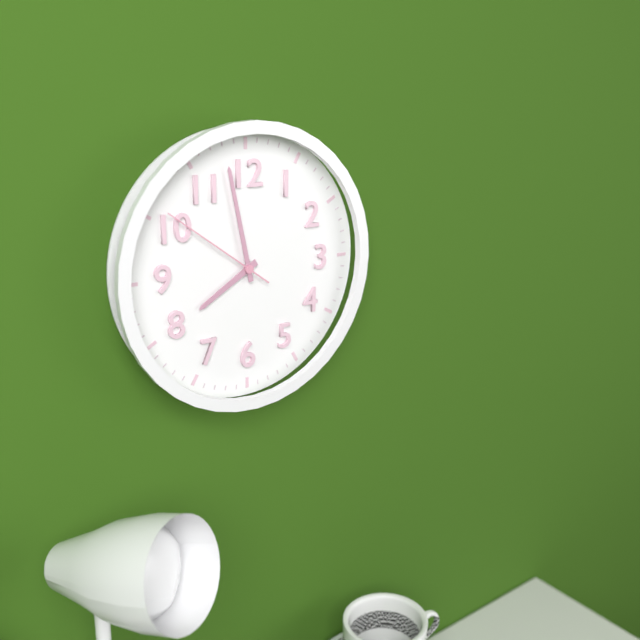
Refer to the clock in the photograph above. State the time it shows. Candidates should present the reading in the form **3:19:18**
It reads **7:58:51**
